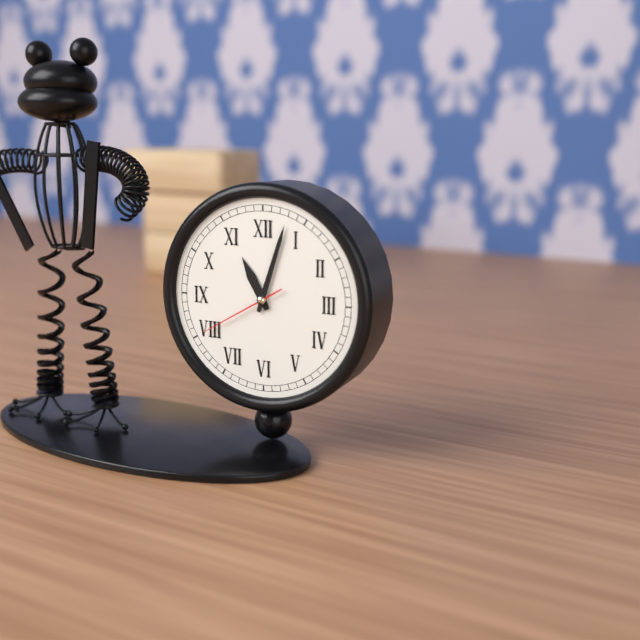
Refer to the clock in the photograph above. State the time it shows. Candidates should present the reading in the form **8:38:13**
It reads **11:03:40**
